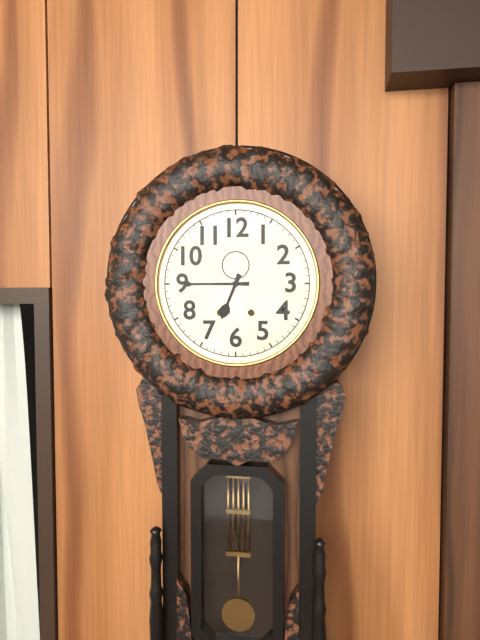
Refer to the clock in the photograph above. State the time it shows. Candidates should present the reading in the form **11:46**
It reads **6:45**
